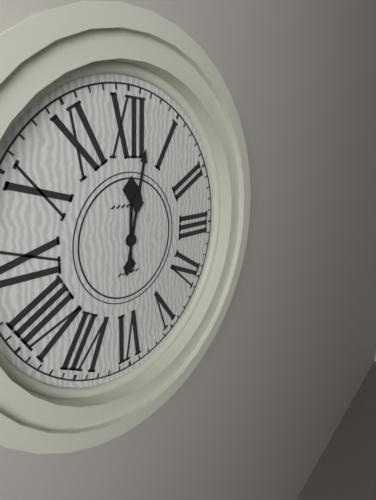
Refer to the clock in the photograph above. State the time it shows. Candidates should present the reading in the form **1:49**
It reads **12:02**
